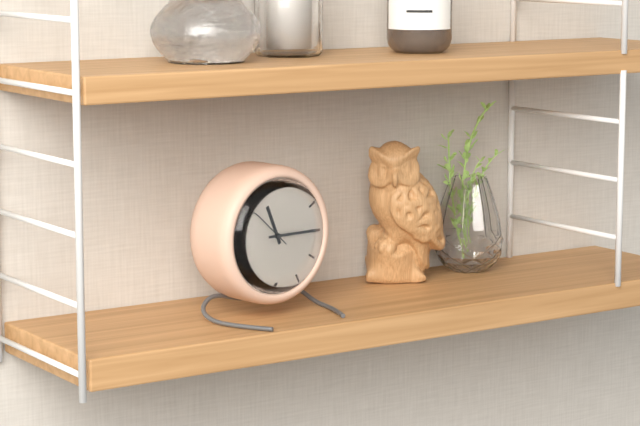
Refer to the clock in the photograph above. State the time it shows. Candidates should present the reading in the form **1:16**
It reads **11:15**
